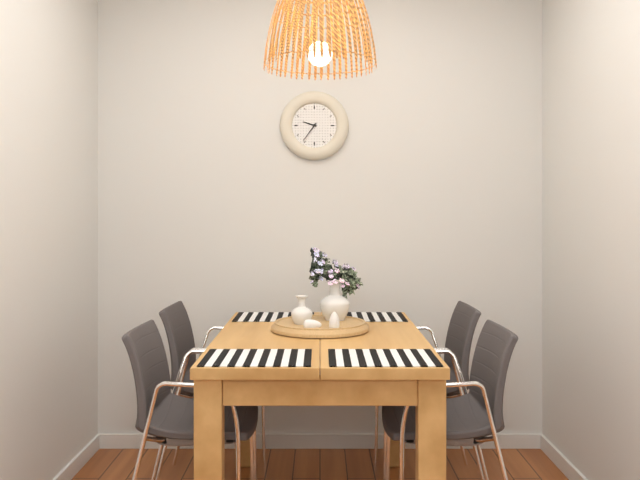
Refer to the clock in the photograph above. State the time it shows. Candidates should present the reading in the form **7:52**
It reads **9:36**
